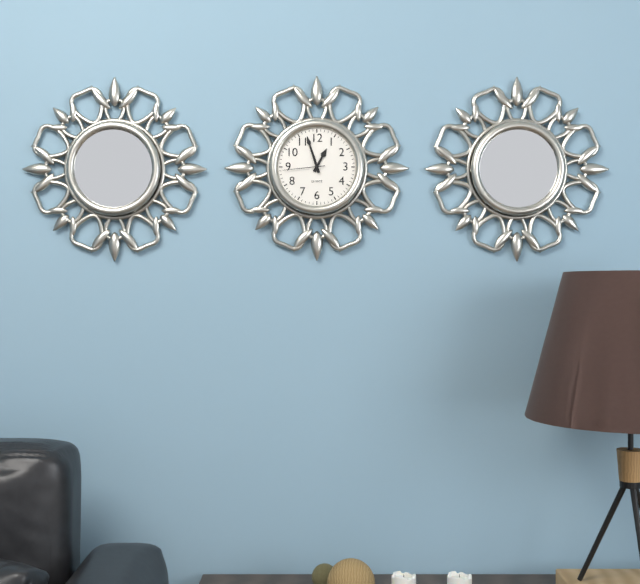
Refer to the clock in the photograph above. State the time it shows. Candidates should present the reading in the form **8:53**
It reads **12:57**
